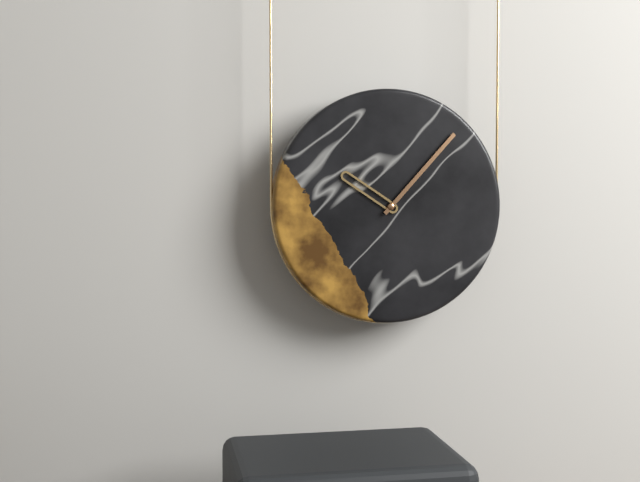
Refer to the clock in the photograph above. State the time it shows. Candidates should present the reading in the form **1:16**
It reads **10:07**
